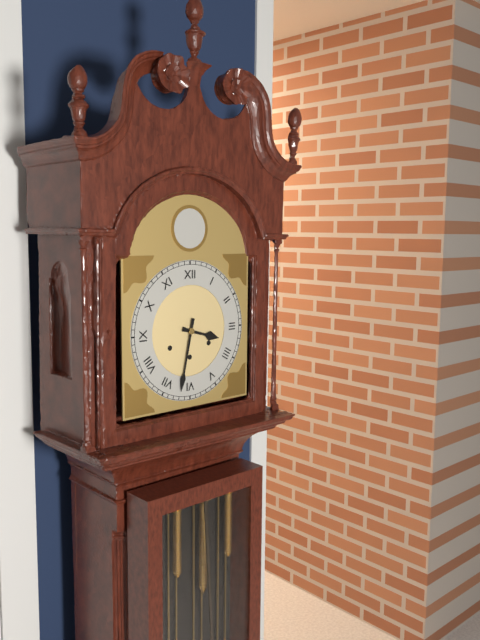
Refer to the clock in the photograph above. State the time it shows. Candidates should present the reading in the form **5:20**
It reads **3:32**
